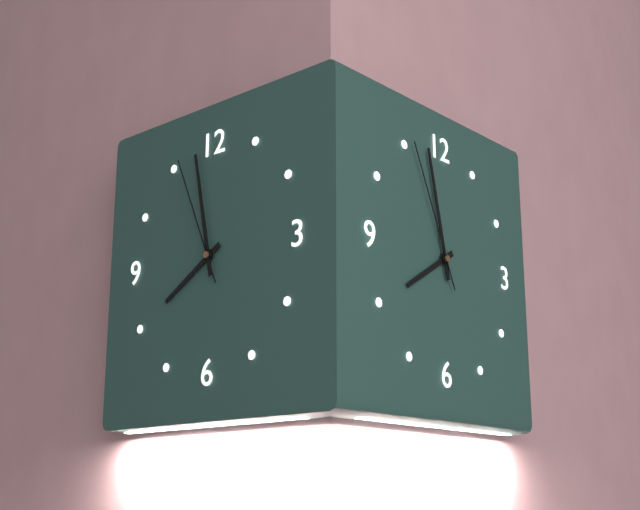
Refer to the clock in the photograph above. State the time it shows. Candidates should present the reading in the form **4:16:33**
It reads **7:58:56**
